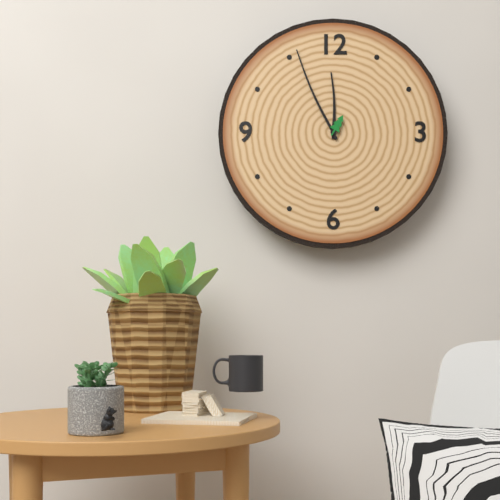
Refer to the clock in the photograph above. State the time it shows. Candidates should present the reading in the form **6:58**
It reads **11:56**
